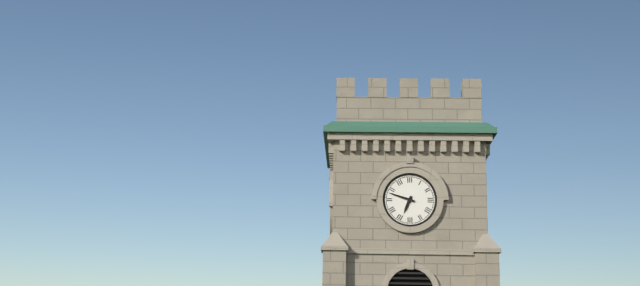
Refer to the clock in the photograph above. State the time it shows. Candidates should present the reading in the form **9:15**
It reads **6:48**
